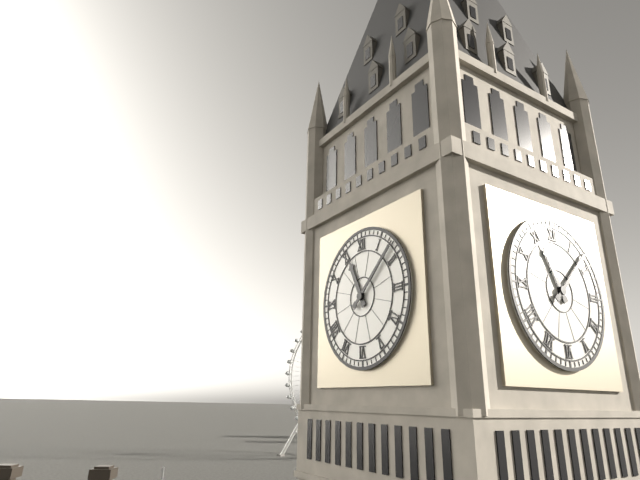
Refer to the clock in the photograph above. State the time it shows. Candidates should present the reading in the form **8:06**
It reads **11:08**
